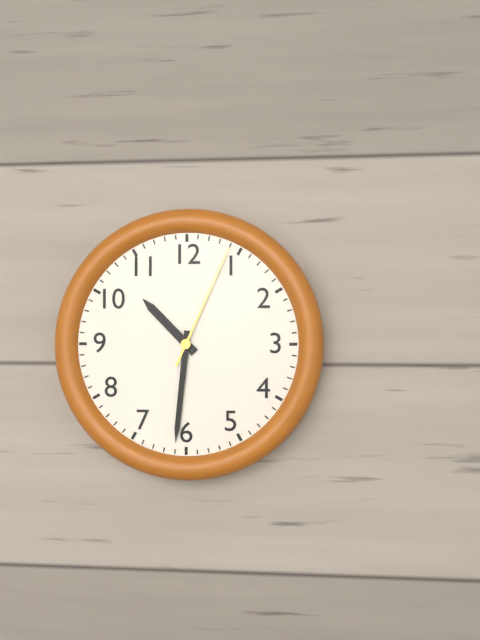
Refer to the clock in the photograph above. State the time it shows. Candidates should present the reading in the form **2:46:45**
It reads **10:31:04**
